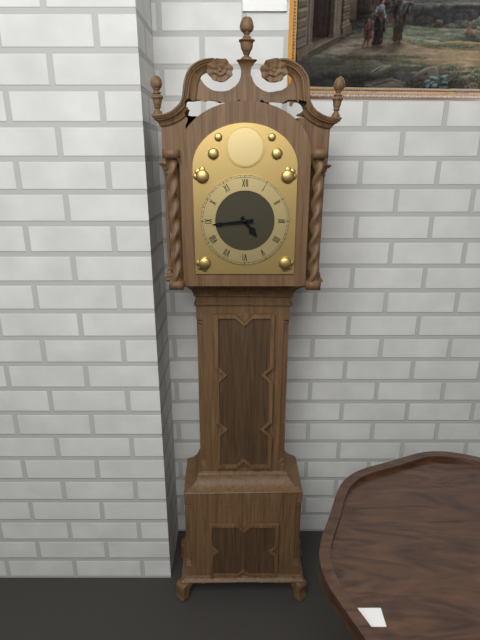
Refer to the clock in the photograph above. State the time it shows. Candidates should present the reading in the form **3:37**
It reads **4:44**
